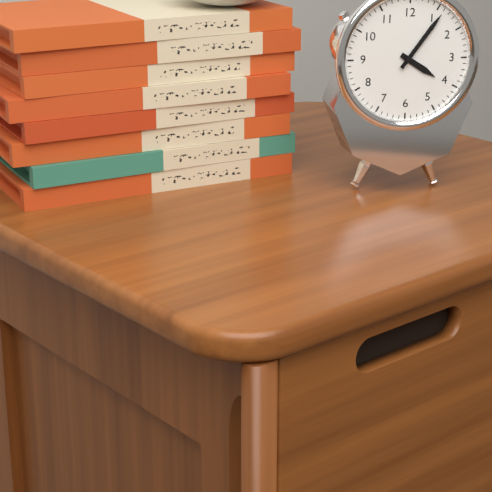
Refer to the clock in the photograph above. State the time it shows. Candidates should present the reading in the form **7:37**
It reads **4:06**
